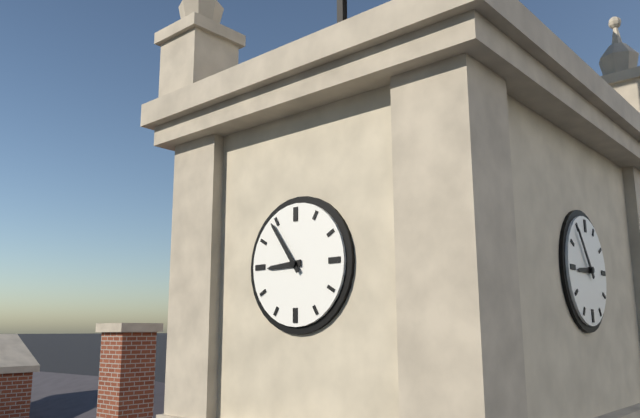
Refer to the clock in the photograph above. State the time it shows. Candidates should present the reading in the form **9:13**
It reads **8:54**
